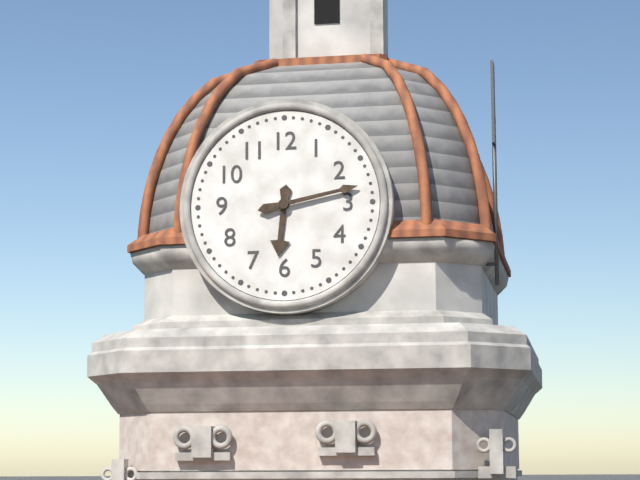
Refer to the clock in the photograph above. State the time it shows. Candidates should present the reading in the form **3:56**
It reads **6:13**
